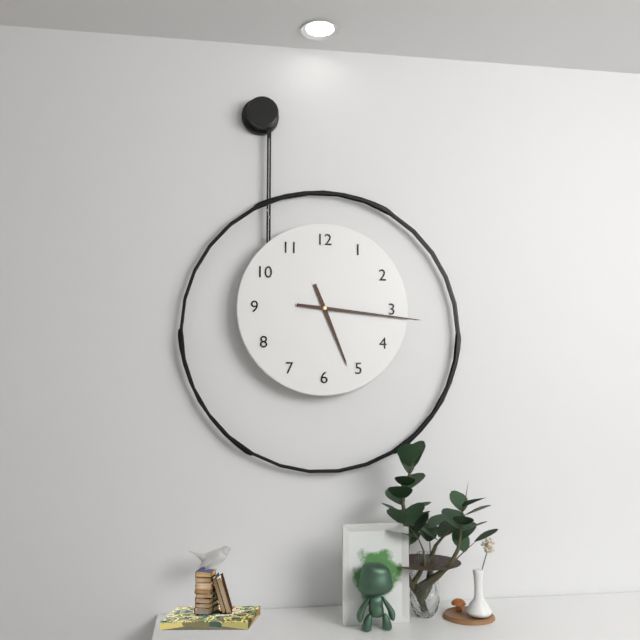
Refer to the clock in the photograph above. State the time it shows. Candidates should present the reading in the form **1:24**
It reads **5:16**
